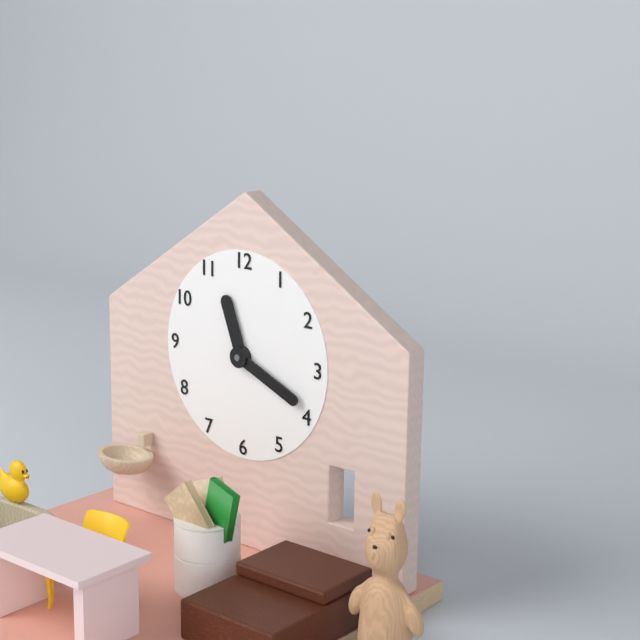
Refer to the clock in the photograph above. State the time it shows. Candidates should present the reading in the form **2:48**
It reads **11:19**
